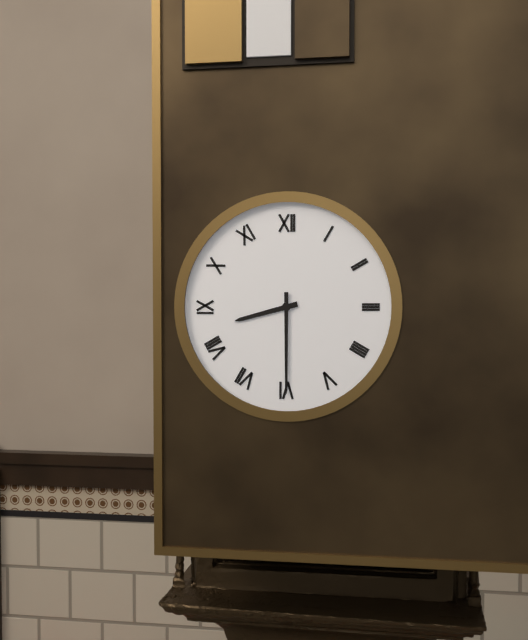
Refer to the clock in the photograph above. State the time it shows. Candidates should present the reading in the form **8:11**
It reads **8:30**
